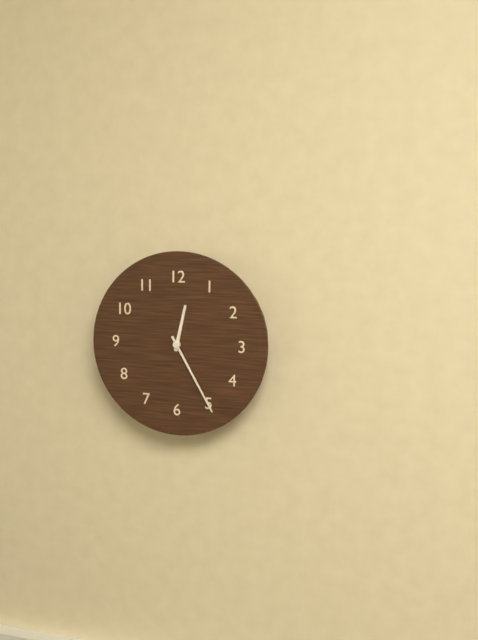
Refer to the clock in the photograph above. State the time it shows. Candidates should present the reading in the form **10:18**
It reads **12:25**
